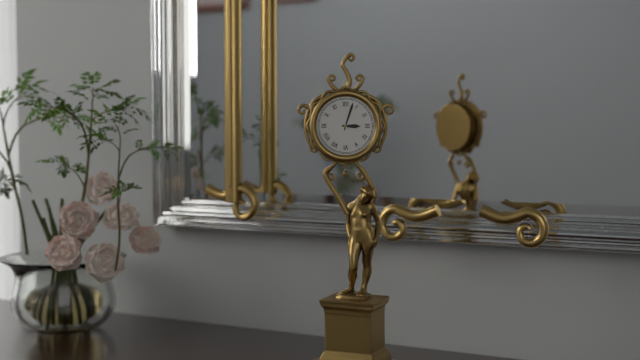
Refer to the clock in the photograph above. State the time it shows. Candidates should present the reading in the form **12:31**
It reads **3:03**
